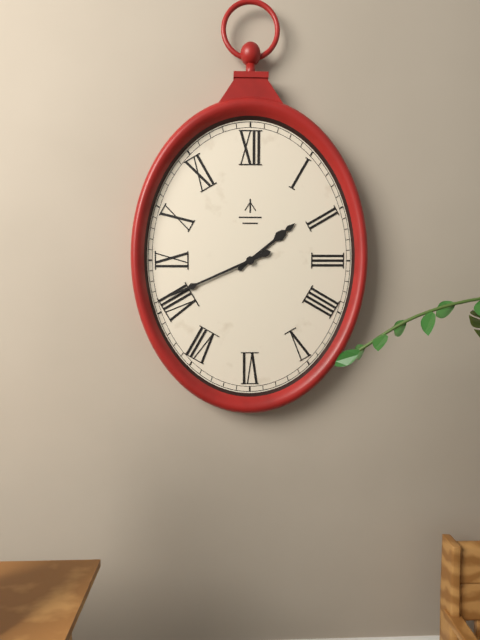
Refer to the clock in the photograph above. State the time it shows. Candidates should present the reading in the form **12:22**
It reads **1:41**
